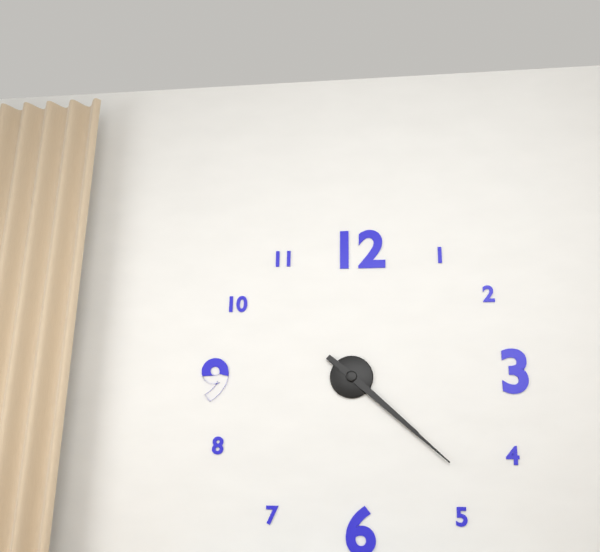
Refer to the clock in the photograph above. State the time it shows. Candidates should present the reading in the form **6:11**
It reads **4:22**
